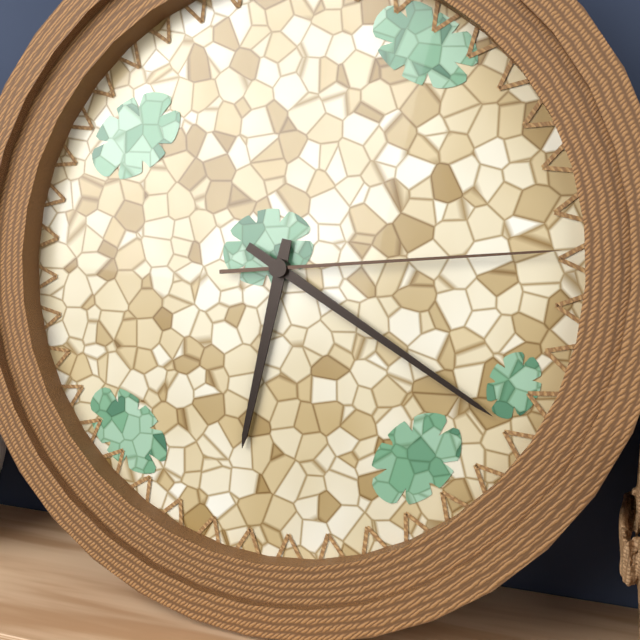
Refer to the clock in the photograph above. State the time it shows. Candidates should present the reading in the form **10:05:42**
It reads **6:20:14**
